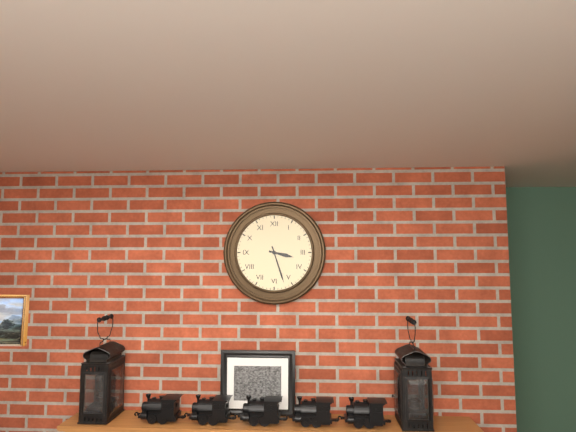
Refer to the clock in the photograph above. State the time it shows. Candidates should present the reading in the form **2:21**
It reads **3:27**
